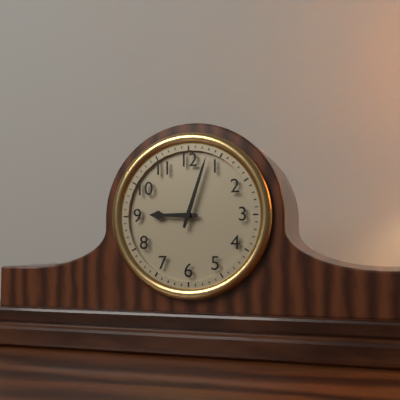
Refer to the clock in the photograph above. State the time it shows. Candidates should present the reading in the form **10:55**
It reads **9:03**
